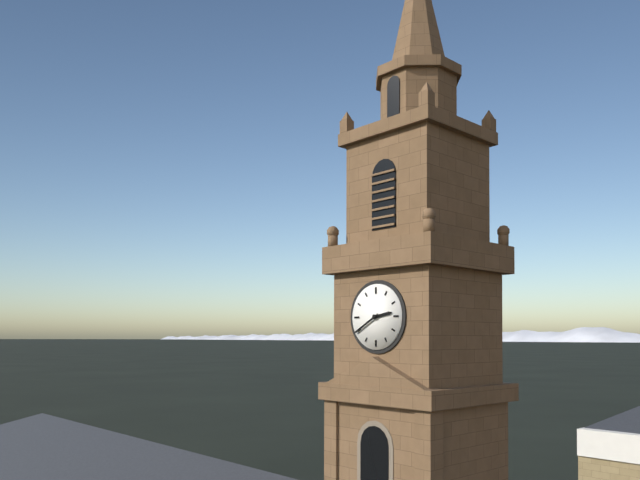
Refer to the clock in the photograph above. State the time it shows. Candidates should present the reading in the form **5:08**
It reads **2:40**
